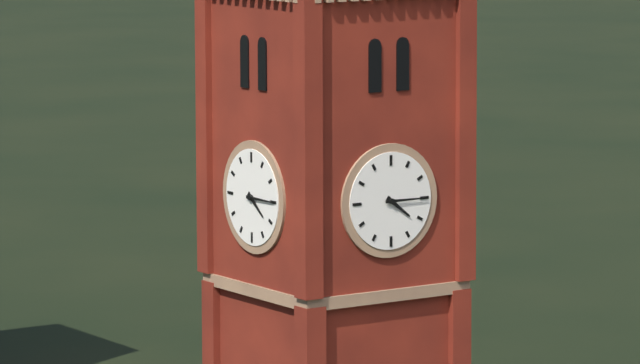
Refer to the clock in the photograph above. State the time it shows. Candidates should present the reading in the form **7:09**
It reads **4:15**
